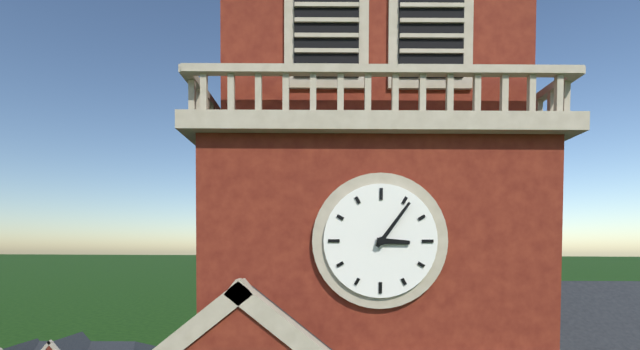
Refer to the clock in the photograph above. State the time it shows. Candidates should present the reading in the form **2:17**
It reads **3:06**
